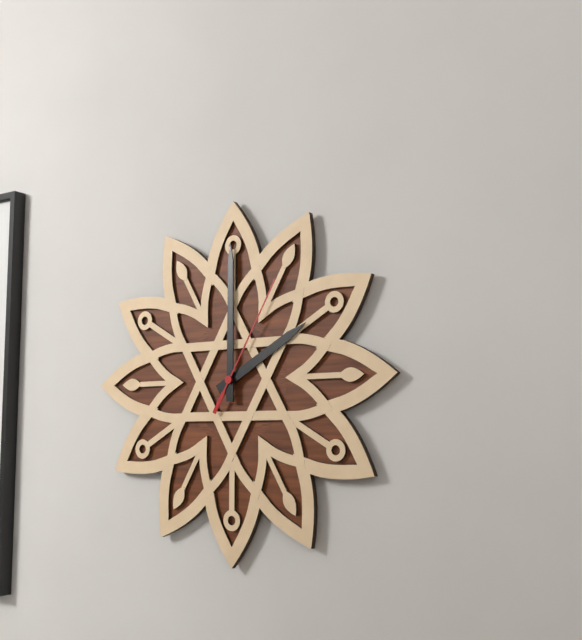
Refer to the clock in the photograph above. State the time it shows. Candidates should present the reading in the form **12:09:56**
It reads **2:00:05**
